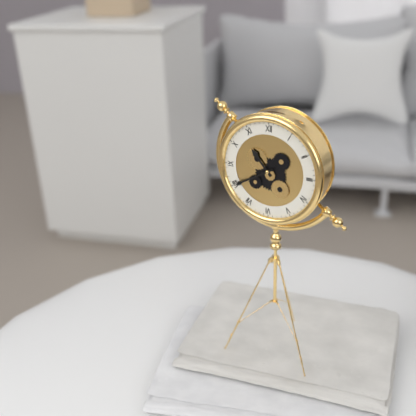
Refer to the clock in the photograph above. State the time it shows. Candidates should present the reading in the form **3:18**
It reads **10:40**
